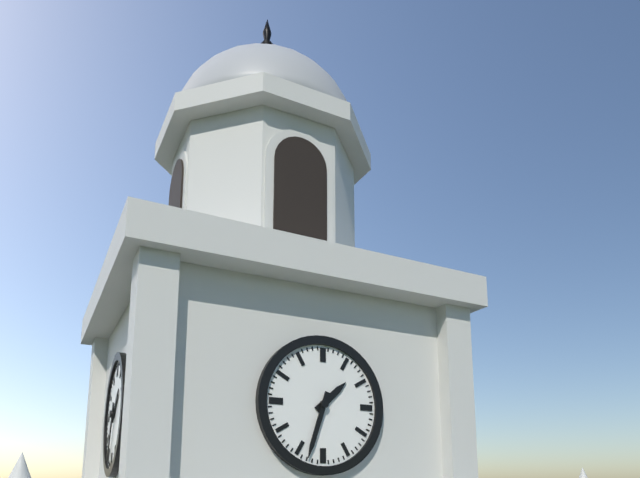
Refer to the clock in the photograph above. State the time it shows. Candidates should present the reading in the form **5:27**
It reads **1:33**
